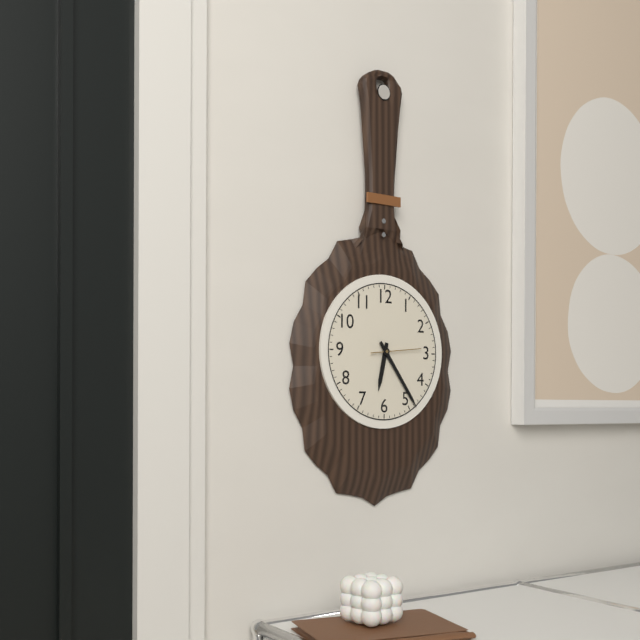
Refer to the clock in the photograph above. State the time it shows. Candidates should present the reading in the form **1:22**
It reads **6:24**
